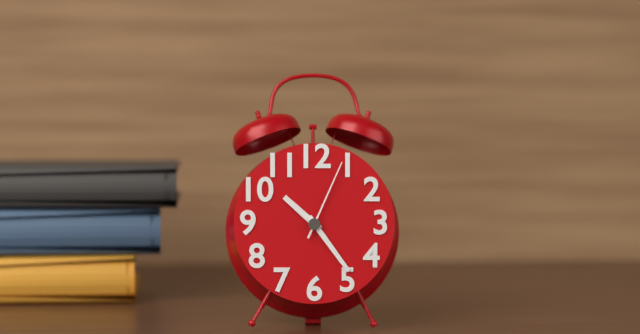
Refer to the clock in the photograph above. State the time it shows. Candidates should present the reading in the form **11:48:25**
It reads **10:24:04**
